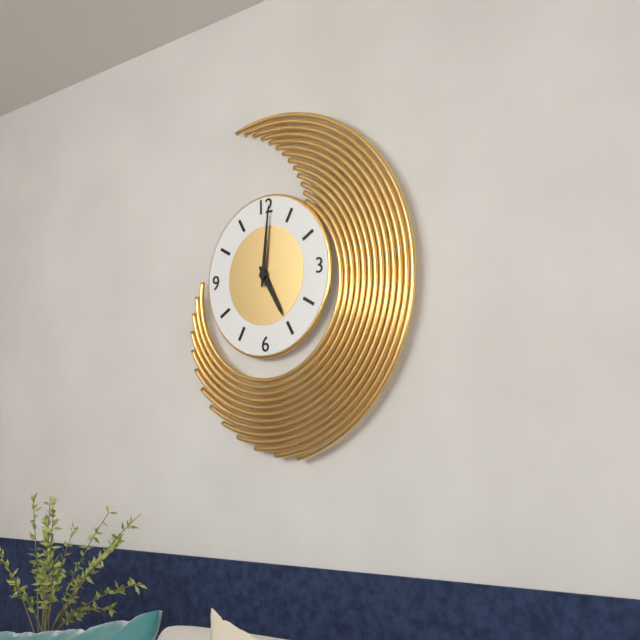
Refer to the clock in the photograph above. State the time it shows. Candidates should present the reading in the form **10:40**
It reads **5:01**
